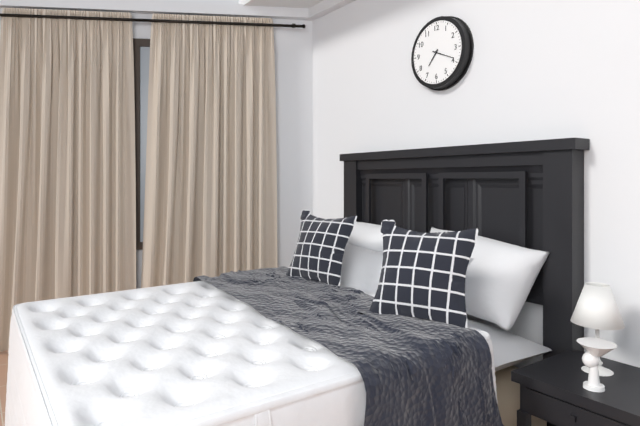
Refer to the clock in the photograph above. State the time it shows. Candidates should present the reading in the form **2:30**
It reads **7:19**
